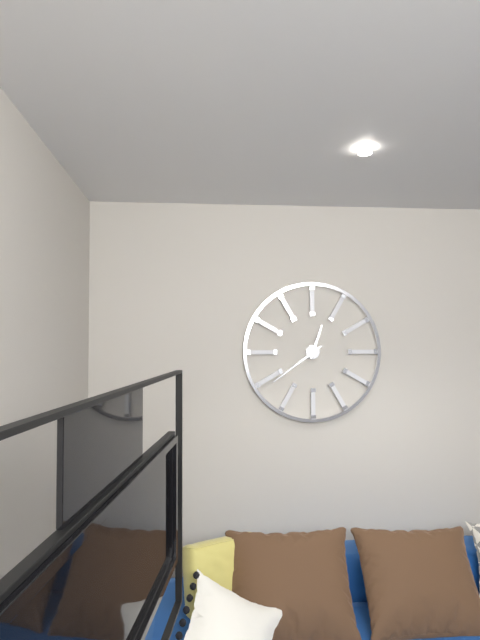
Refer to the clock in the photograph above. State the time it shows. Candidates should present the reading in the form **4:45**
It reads **12:39**
